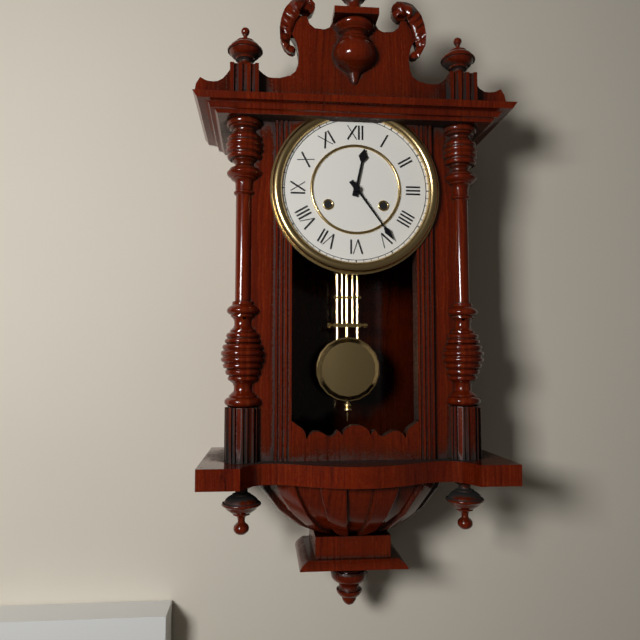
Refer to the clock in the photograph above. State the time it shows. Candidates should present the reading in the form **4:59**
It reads **12:24**
